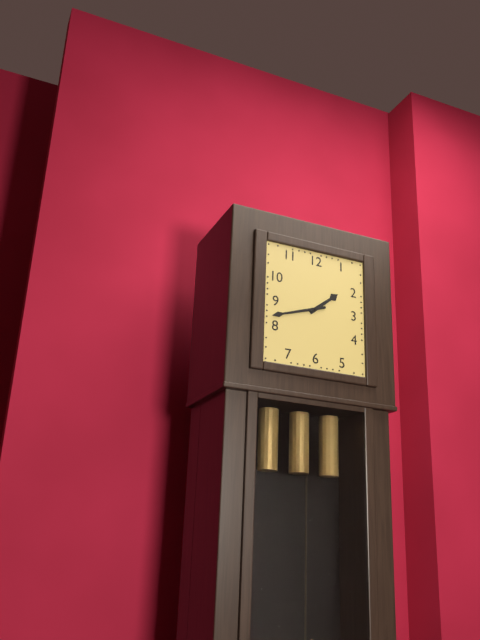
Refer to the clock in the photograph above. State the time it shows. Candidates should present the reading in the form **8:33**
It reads **1:42**
